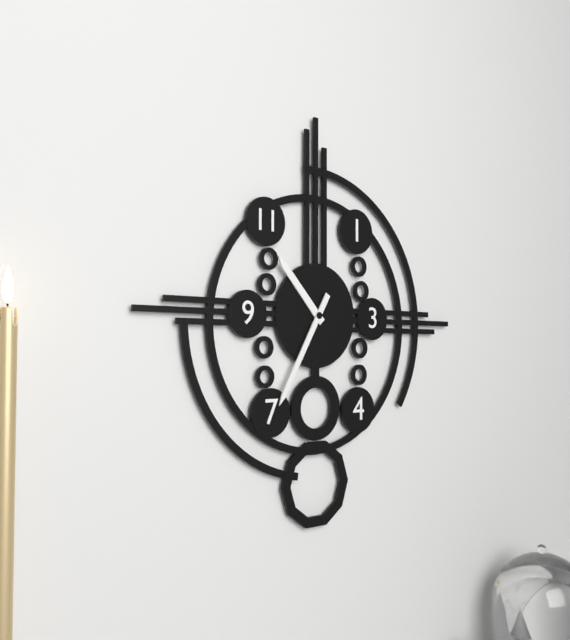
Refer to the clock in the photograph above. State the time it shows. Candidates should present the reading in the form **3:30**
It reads **10:35**
